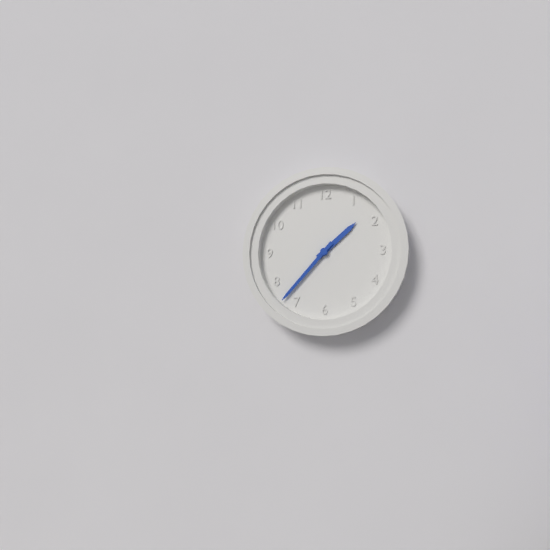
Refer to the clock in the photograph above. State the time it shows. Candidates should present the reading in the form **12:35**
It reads **1:37**
